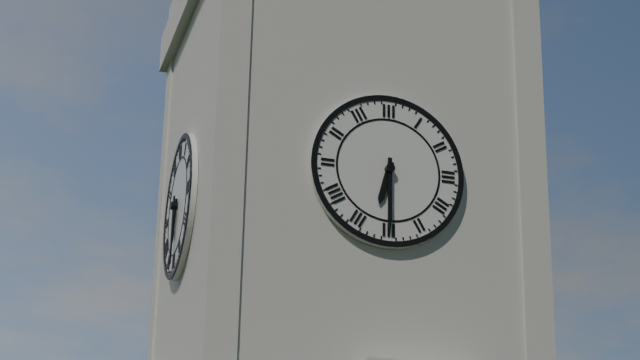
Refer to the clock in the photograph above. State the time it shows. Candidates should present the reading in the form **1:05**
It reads **6:30**
